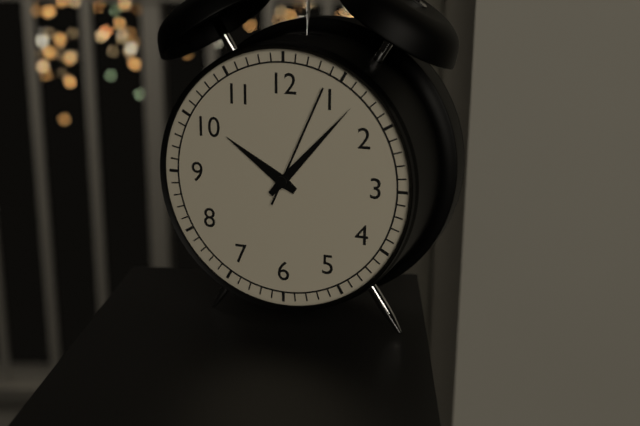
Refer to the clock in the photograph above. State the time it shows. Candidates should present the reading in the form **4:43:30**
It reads **10:07:04**
